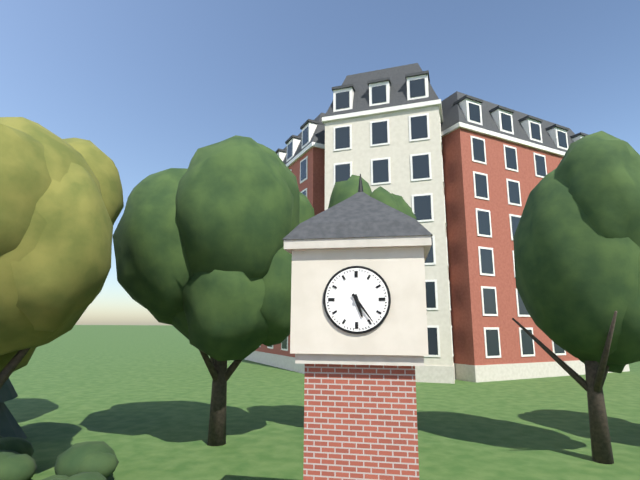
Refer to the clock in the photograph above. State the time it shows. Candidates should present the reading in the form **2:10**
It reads **5:24**
